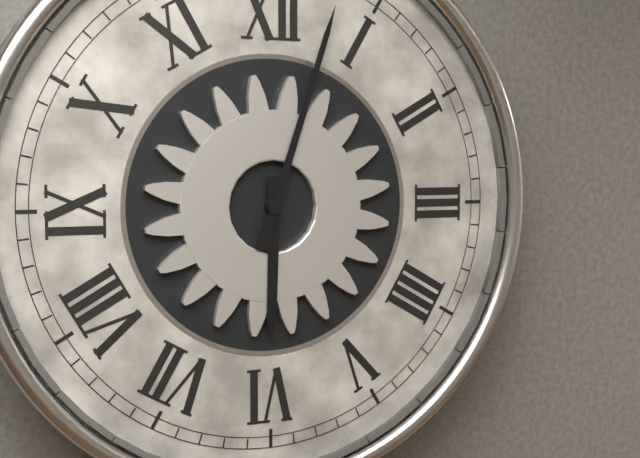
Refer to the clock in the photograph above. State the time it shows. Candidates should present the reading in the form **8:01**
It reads **6:03**
